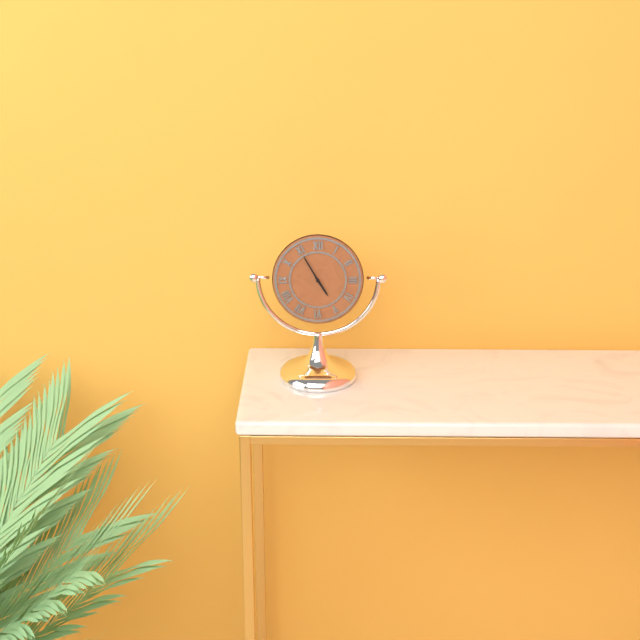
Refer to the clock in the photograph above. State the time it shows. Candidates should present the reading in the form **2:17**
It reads **4:55**
